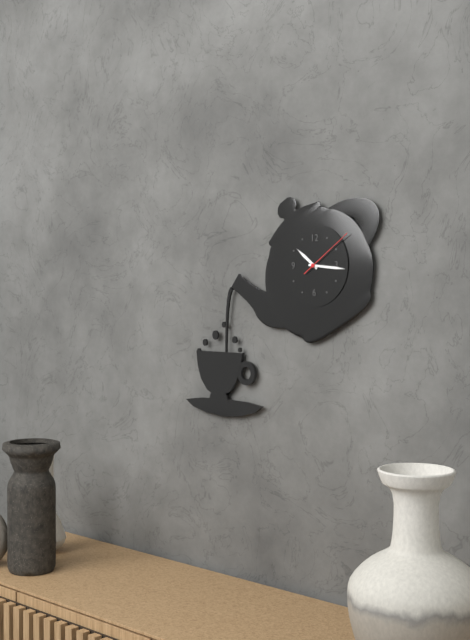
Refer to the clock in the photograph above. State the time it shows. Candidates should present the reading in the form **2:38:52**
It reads **10:16:09**
